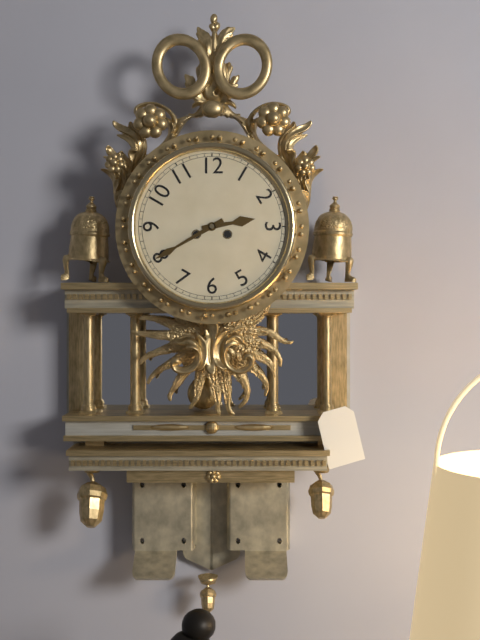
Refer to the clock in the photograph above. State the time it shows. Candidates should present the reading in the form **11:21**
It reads **2:40**
